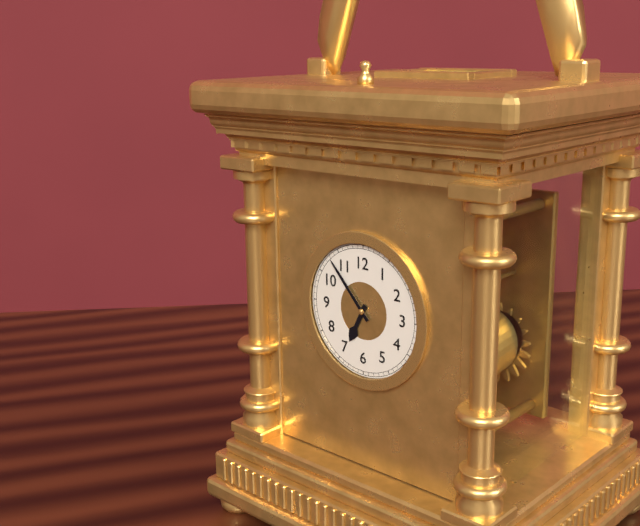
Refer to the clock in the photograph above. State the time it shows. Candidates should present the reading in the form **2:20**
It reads **6:53**
